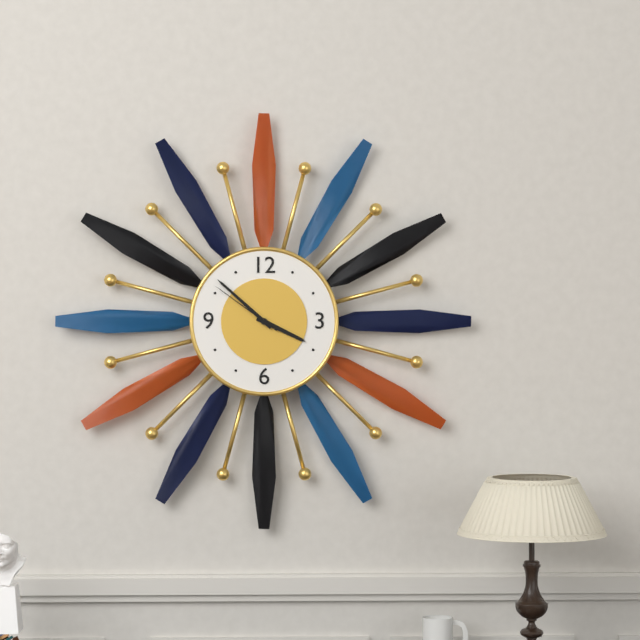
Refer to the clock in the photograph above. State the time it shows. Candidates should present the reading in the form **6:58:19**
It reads **3:52:51**
